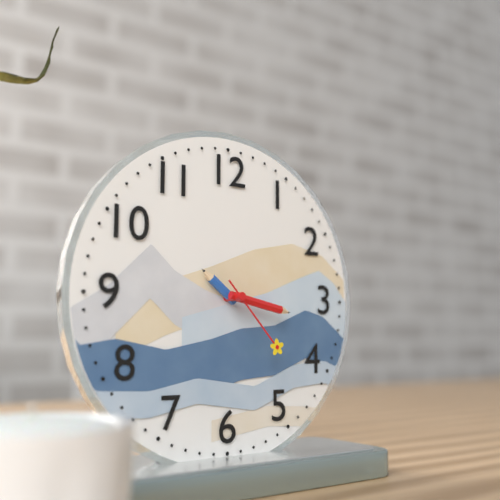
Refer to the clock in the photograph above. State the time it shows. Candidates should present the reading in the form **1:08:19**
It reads **10:17:23**
